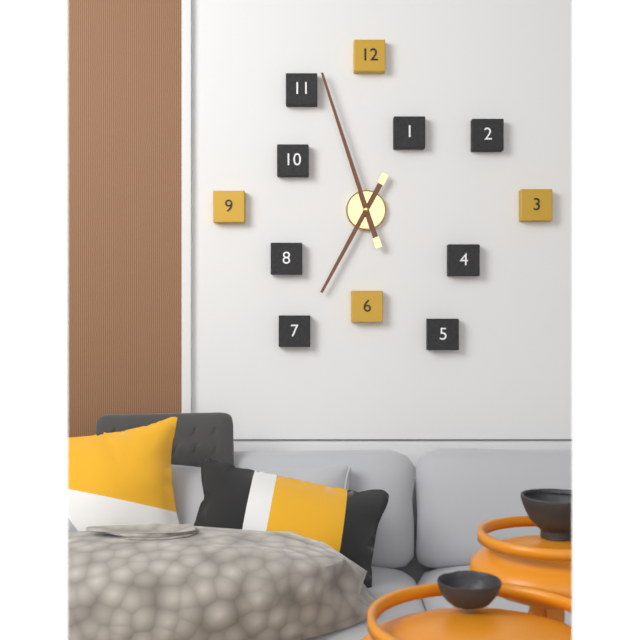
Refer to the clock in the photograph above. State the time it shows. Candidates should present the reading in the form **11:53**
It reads **6:57**
